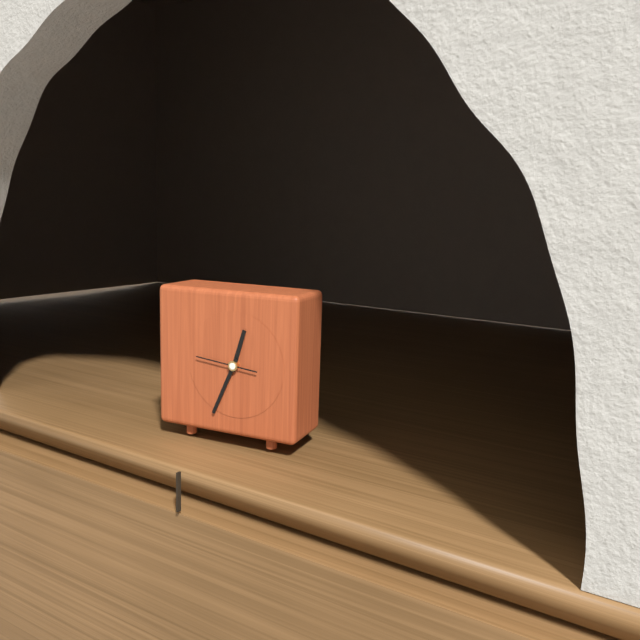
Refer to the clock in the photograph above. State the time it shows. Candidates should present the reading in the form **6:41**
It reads **12:34**
